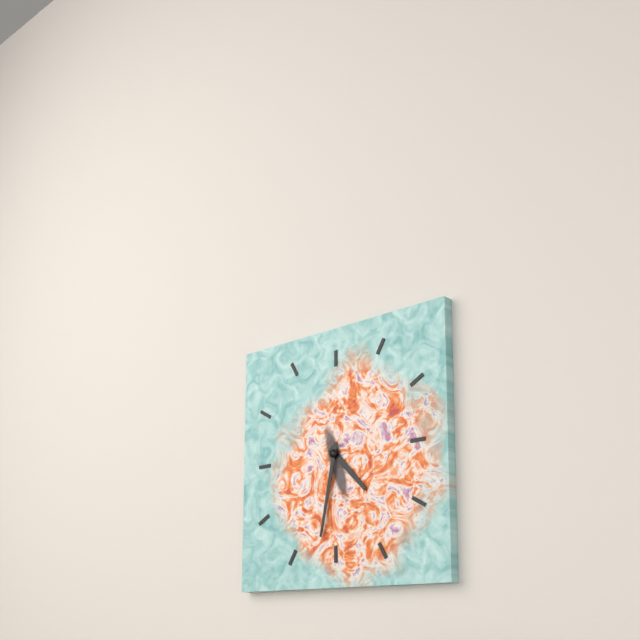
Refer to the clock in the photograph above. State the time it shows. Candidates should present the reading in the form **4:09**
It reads **4:32**
